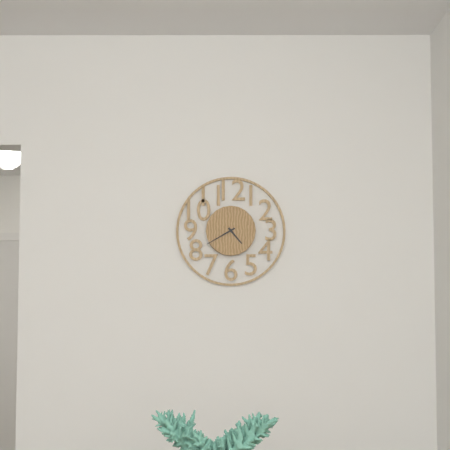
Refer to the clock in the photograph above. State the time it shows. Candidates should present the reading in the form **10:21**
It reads **4:40**
